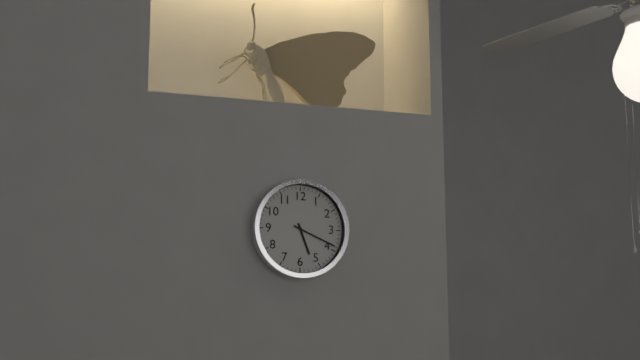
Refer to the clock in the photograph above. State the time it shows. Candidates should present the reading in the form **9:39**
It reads **5:19**
